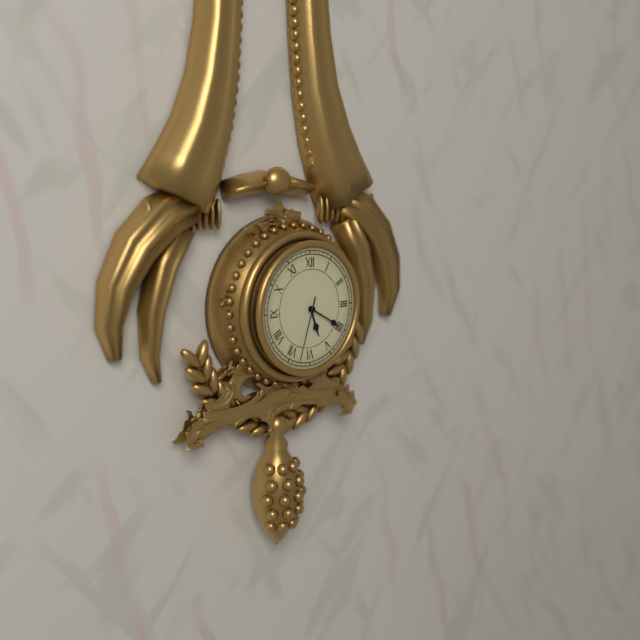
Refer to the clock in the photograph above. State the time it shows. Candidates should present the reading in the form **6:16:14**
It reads **5:20:33**
